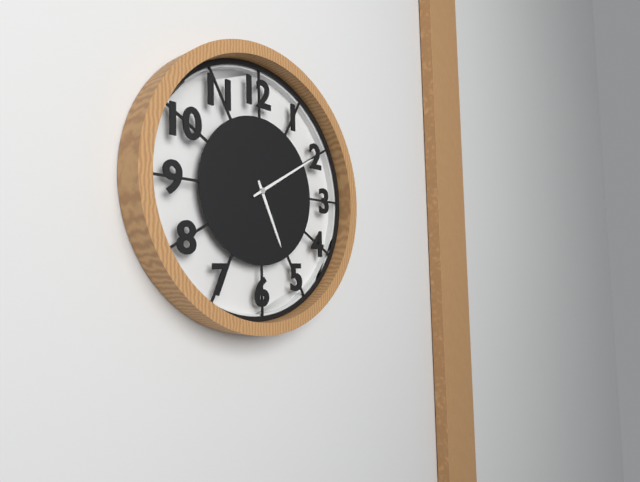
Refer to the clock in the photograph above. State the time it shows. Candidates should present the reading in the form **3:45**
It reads **5:10**
